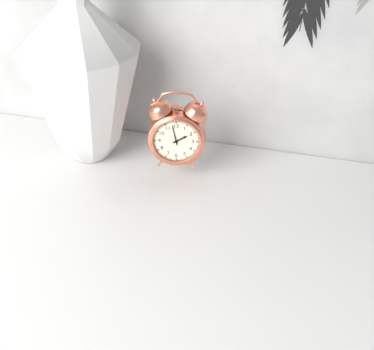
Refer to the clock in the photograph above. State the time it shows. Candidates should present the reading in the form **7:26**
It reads **1:58**
